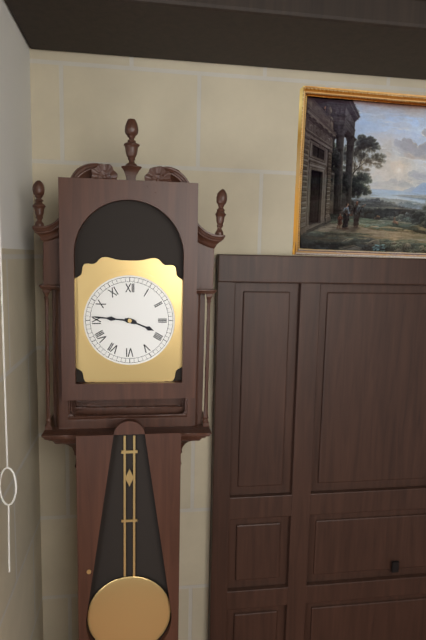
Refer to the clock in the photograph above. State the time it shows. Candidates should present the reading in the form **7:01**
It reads **3:46**
